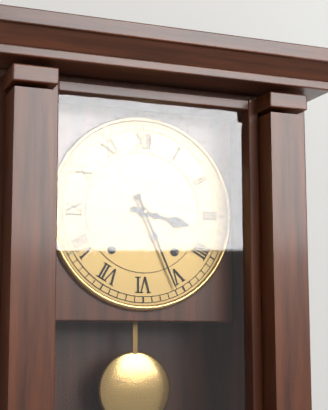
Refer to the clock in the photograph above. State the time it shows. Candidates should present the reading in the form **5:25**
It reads **3:26**
